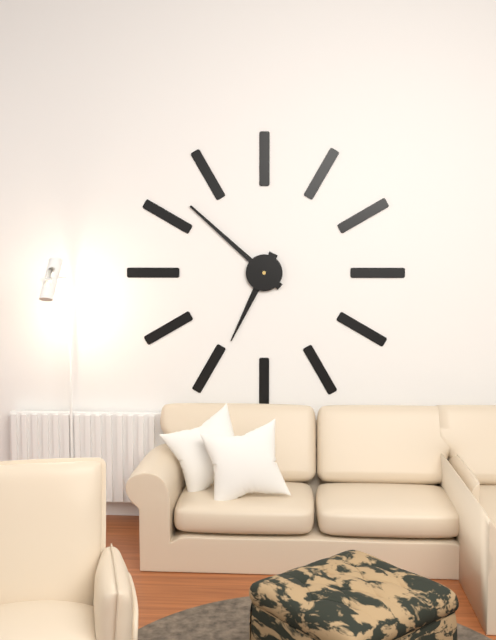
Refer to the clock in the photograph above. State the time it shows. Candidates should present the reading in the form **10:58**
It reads **6:52**
